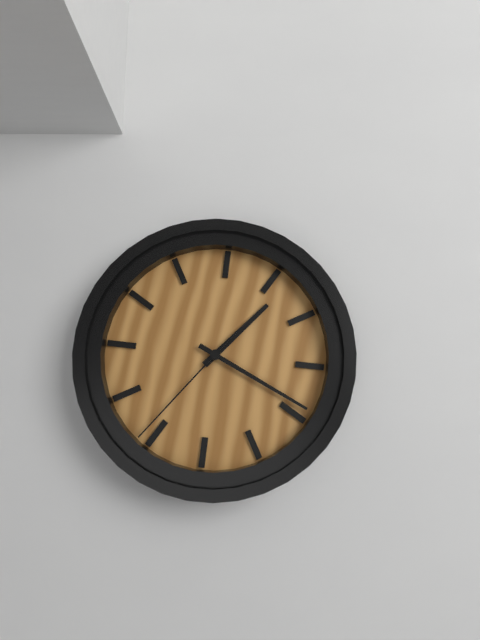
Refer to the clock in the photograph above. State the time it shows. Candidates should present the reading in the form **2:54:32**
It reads **1:19:36**
